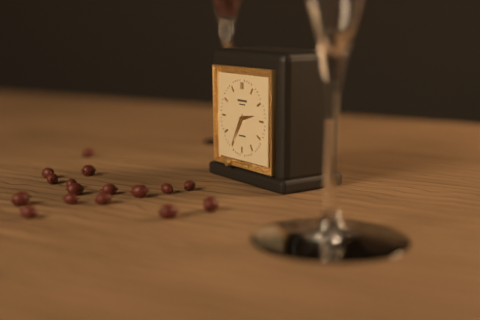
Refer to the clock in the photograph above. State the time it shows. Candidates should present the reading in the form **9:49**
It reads **2:35**
